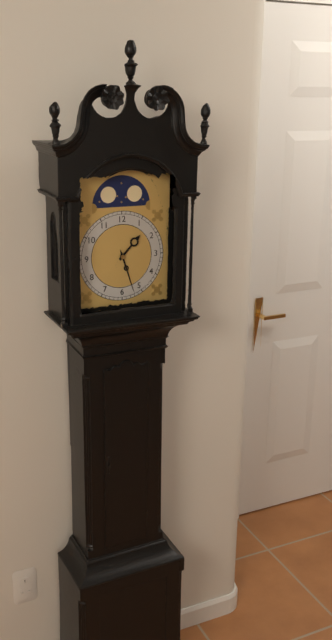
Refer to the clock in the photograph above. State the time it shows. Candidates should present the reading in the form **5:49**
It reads **1:27**
